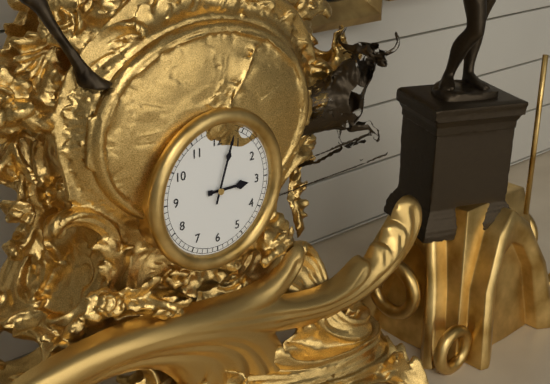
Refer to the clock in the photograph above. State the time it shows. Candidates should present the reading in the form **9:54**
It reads **3:03**
